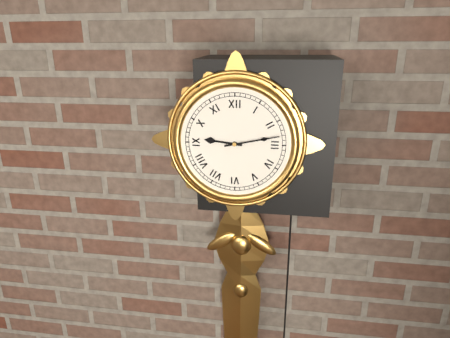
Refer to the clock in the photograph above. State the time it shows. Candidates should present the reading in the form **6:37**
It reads **9:13**
